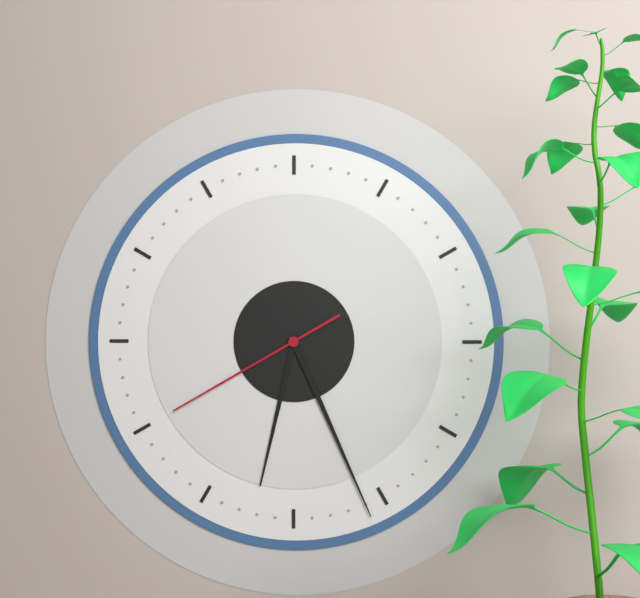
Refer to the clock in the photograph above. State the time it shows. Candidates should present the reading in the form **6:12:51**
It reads **6:26:40**
